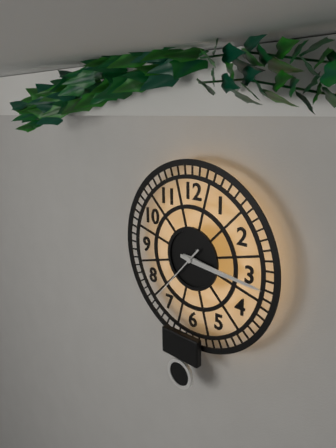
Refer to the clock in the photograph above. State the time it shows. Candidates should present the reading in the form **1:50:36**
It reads **3:16:37**
